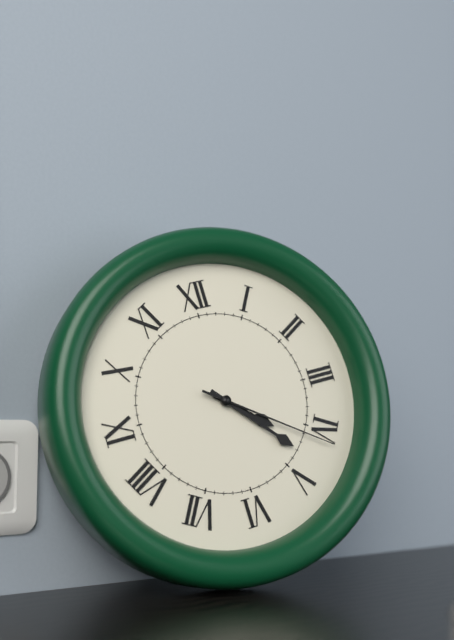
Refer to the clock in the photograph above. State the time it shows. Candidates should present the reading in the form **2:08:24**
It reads **4:23:21**
